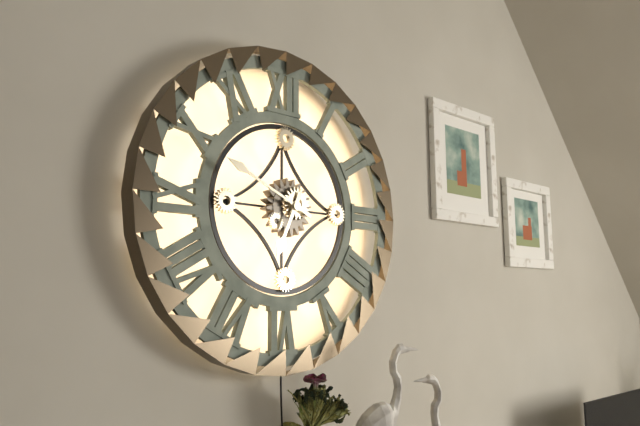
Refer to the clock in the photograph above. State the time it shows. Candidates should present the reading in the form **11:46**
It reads **6:49**
